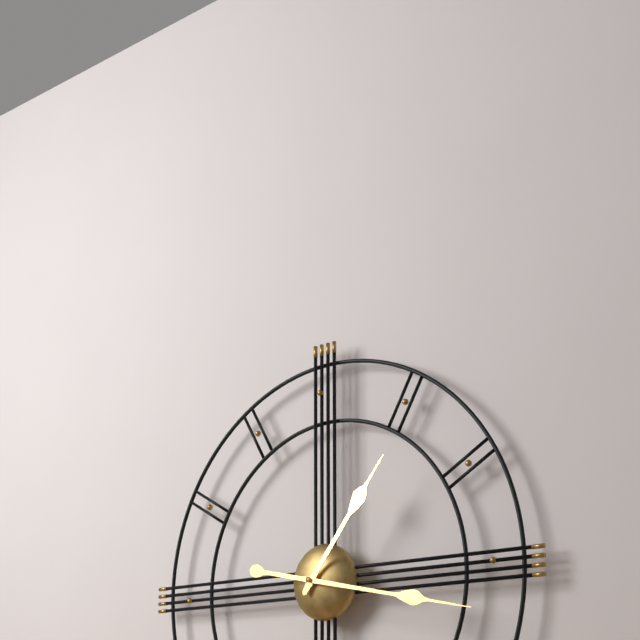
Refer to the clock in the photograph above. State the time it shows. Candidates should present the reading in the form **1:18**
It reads **1:17**
